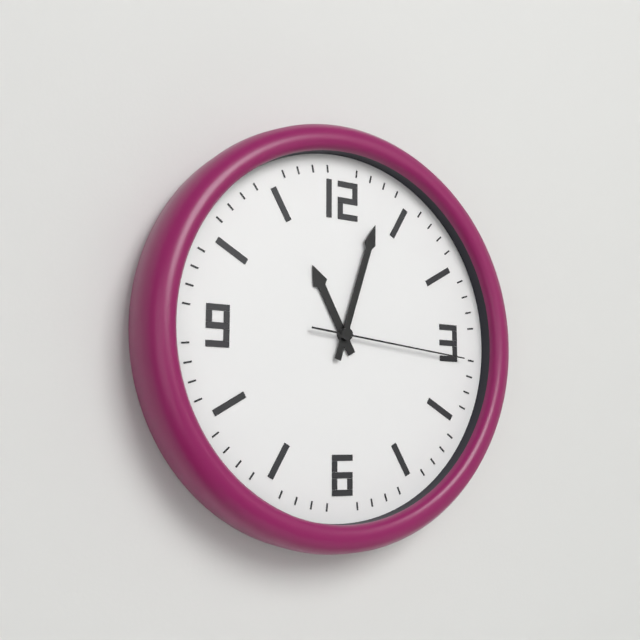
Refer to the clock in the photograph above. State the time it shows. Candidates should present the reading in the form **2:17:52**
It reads **11:03:16**
